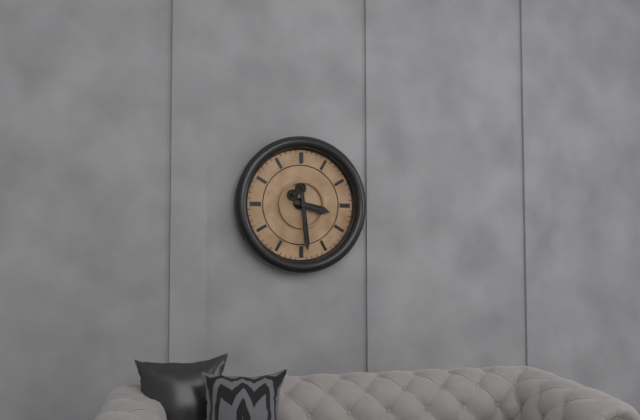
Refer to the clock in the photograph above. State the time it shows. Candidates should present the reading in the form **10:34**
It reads **3:29**
